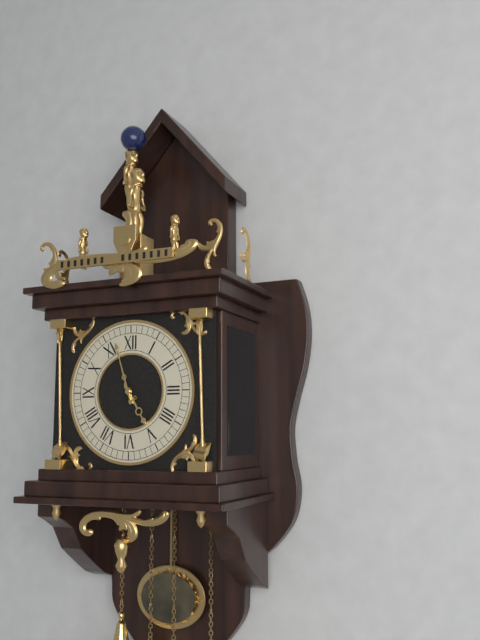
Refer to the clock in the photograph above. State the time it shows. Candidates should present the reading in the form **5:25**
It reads **4:57**
